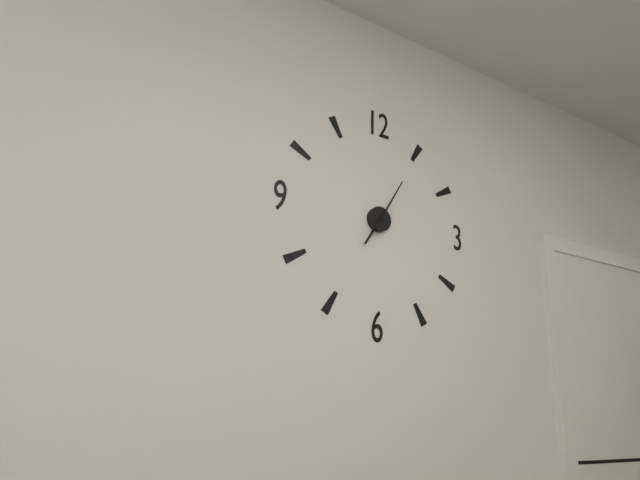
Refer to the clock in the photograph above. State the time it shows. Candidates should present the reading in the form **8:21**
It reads **7:05**
